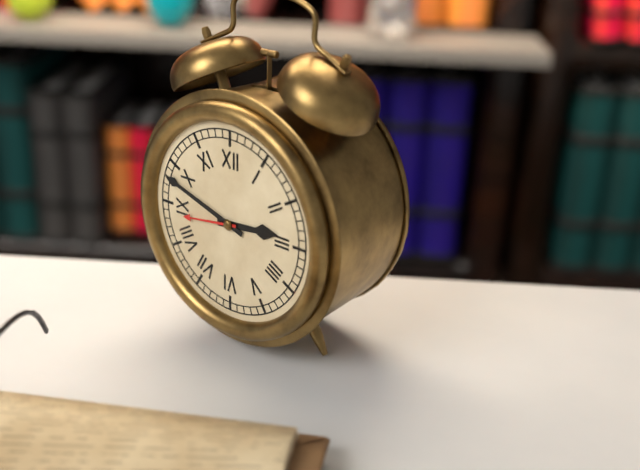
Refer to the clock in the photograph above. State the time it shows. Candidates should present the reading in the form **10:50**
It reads **2:48**
